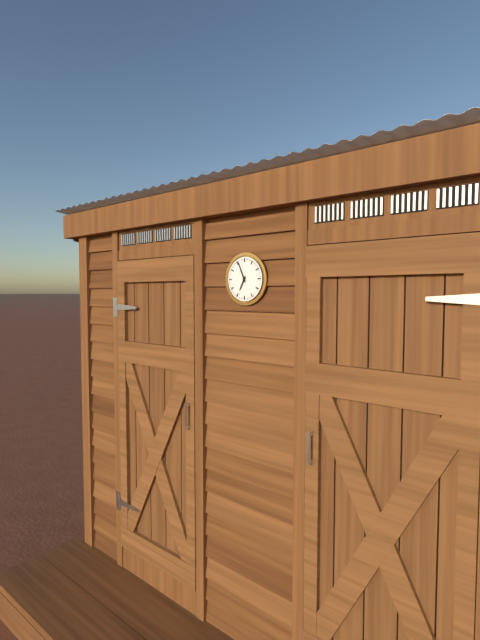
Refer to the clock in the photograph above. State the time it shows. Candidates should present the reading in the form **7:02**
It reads **6:56**
